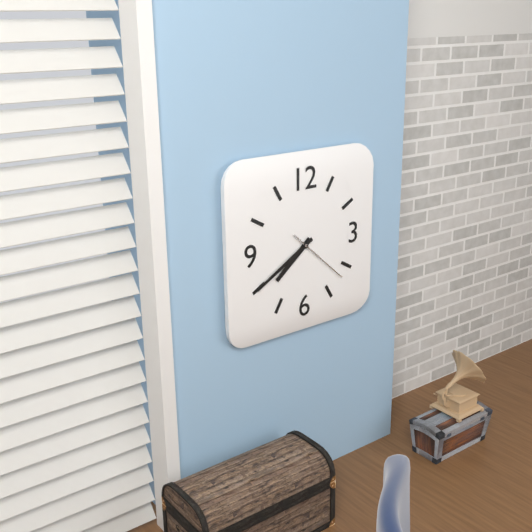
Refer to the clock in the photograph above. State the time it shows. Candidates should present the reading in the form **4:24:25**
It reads **7:40:22**
